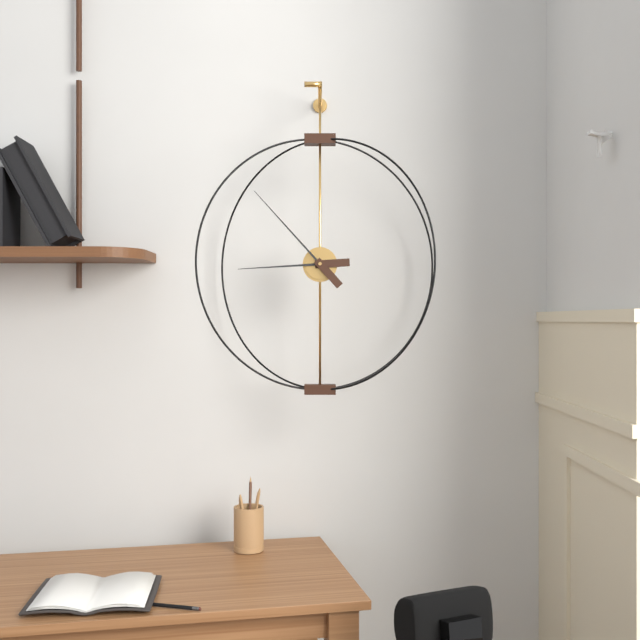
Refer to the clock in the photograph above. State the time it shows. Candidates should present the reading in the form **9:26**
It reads **8:53**
